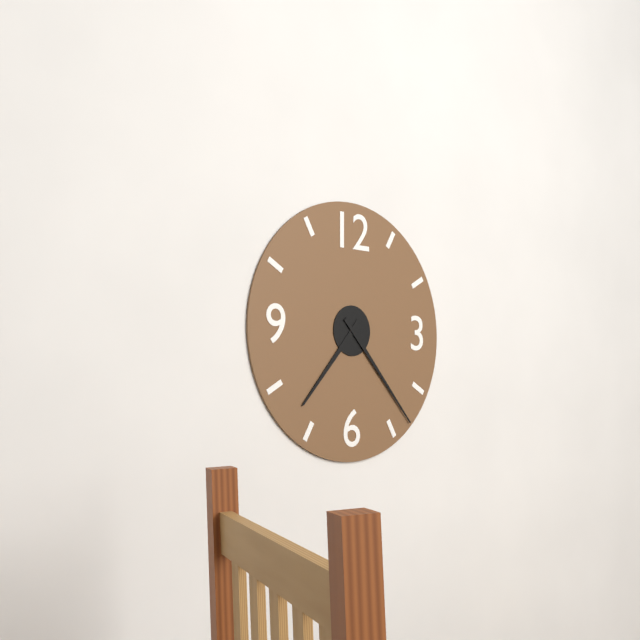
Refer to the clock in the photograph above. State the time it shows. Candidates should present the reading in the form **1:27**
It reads **7:23**
